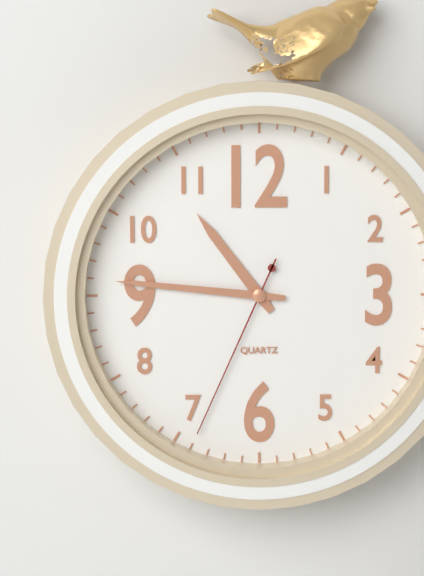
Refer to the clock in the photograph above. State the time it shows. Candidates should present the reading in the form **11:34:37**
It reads **10:46:34**
